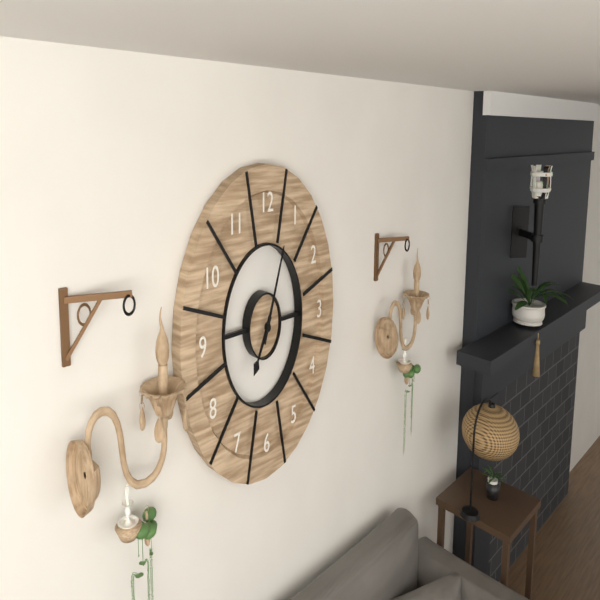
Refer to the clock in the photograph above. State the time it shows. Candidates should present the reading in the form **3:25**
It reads **7:04**
